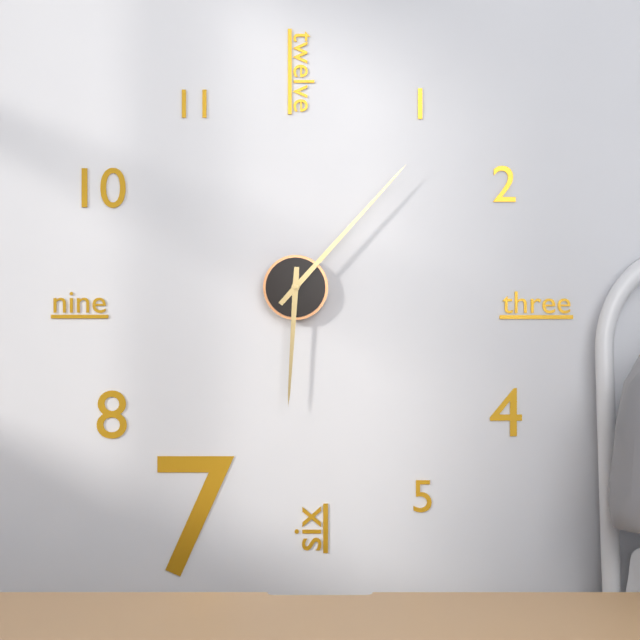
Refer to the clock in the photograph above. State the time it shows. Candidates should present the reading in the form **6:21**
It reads **6:07**
